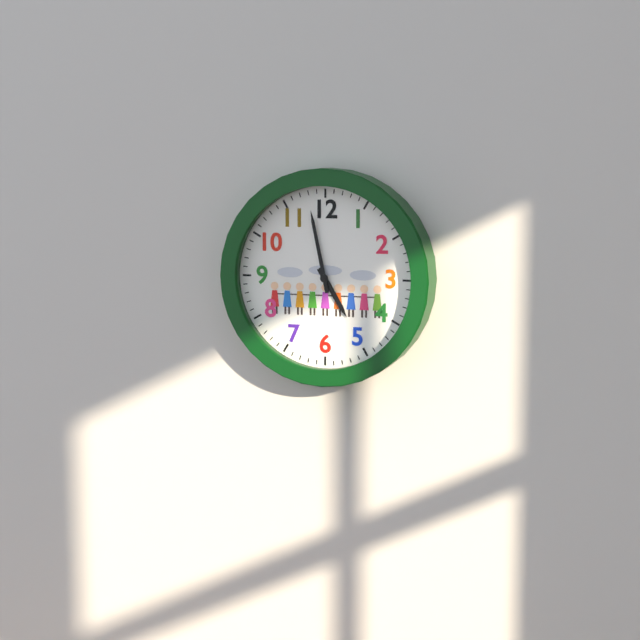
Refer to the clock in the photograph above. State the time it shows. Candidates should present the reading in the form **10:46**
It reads **4:58**
